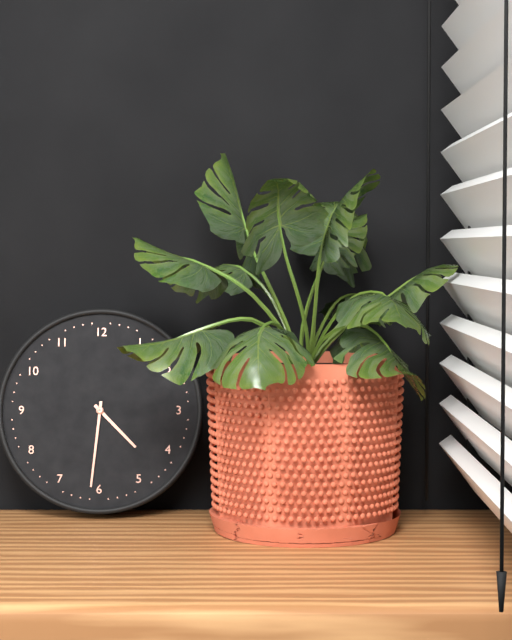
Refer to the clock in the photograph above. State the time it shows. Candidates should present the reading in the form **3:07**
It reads **4:31**
